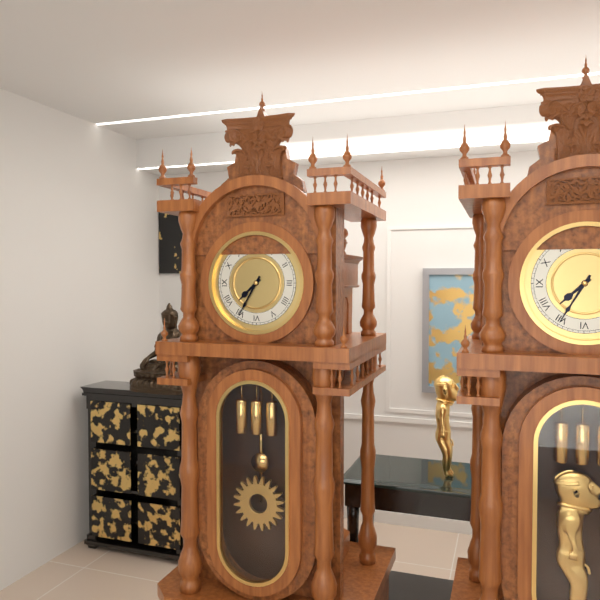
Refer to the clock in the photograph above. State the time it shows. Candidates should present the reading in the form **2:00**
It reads **7:35**
